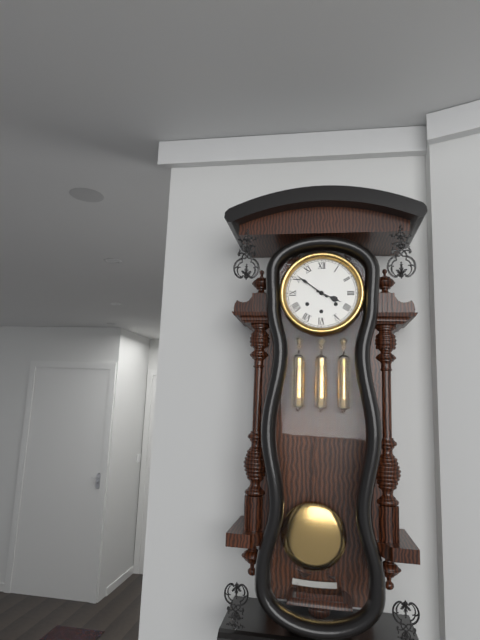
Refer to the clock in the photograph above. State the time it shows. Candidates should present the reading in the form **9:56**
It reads **3:51**
